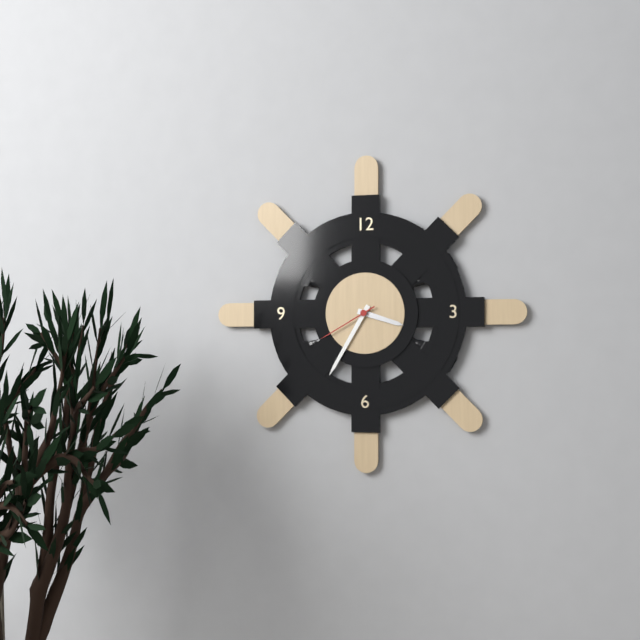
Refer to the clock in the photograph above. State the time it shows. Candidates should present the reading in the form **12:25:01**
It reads **3:35:40**
